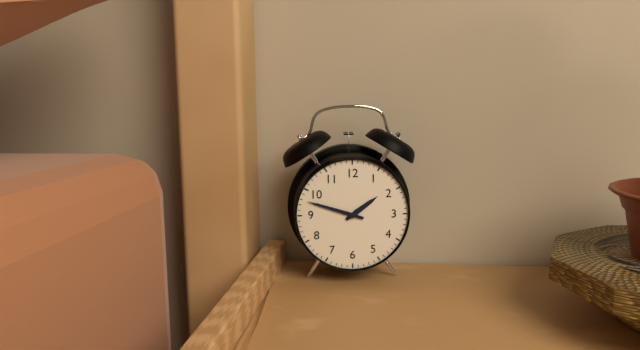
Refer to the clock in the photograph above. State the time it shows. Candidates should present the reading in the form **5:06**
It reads **1:48**
